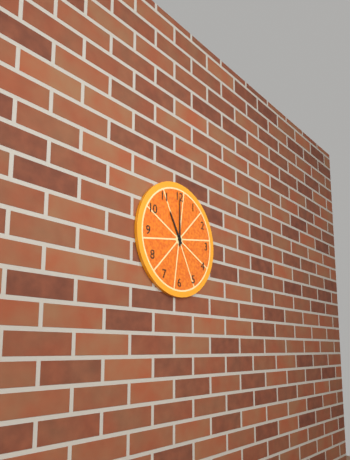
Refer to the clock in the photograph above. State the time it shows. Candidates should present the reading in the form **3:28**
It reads **11:00**
